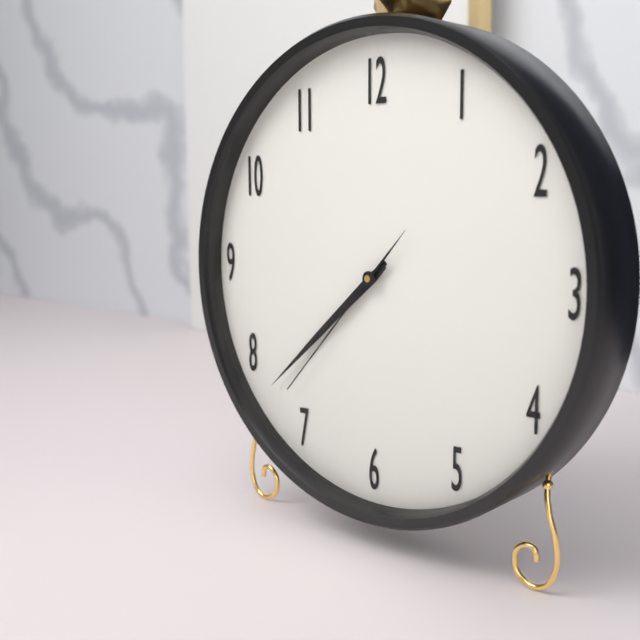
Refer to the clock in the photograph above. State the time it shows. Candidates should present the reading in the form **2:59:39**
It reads **7:38:37**
